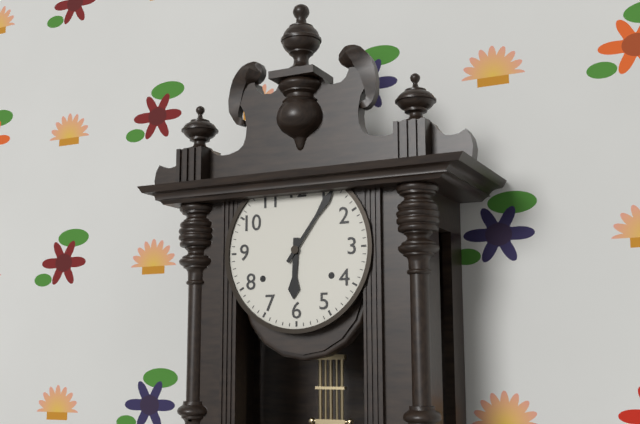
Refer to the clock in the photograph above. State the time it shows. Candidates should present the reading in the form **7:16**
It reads **6:06**
